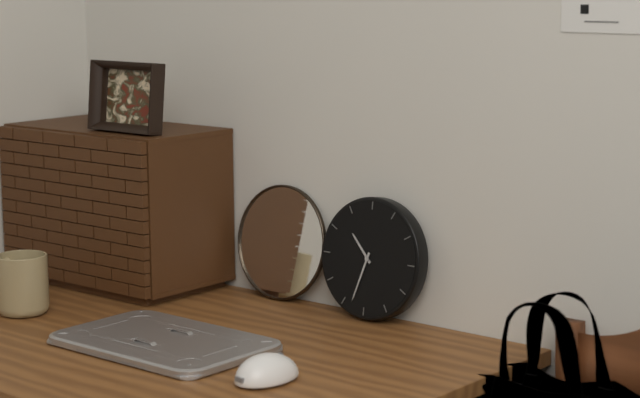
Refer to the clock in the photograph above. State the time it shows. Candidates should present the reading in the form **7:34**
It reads **10:33**
